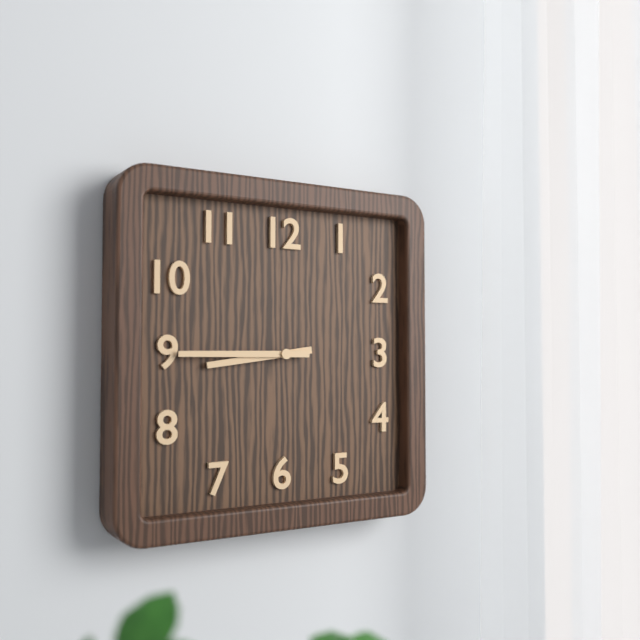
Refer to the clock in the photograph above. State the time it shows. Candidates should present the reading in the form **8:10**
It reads **8:45**
